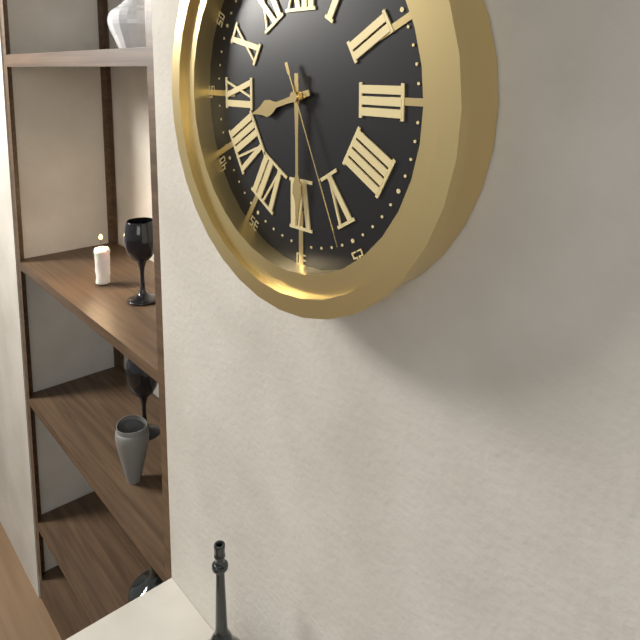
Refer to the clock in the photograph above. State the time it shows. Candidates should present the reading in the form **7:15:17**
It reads **8:30:26**
